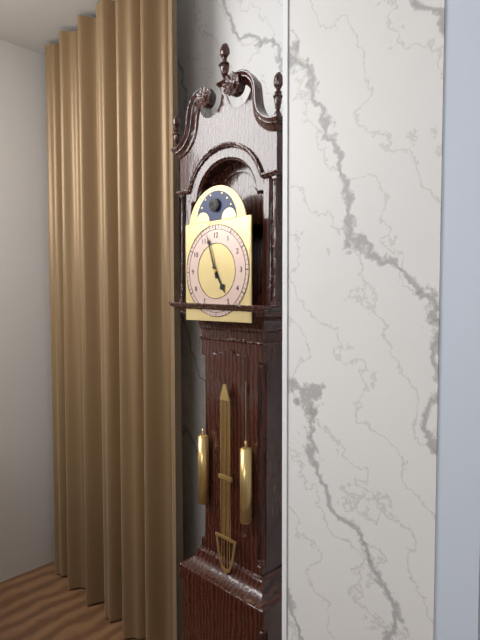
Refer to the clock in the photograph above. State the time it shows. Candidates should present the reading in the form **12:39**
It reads **4:57**
